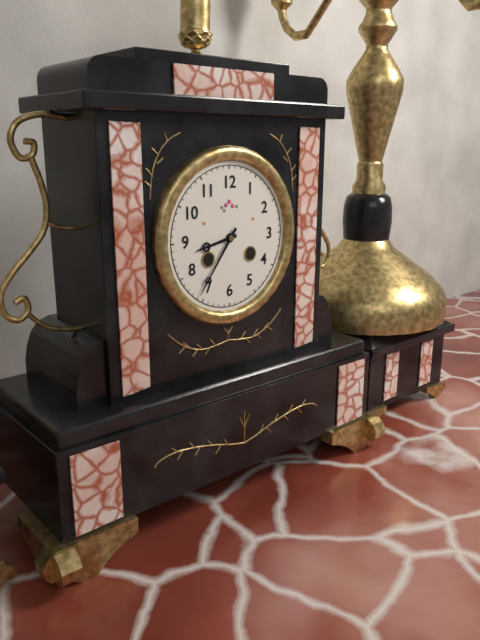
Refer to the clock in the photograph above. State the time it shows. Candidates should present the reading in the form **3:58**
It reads **8:36**
